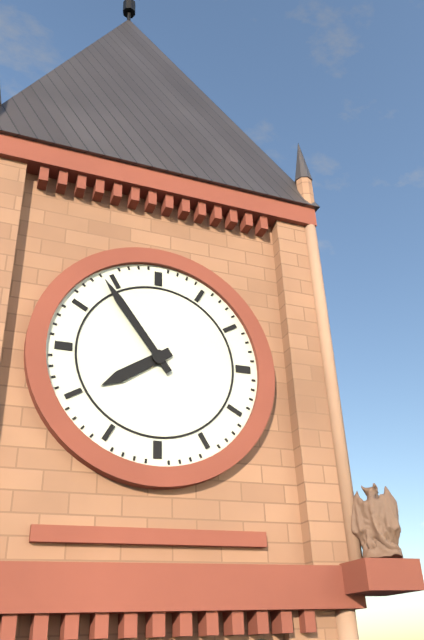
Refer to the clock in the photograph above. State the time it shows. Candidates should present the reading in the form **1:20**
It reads **7:54**
